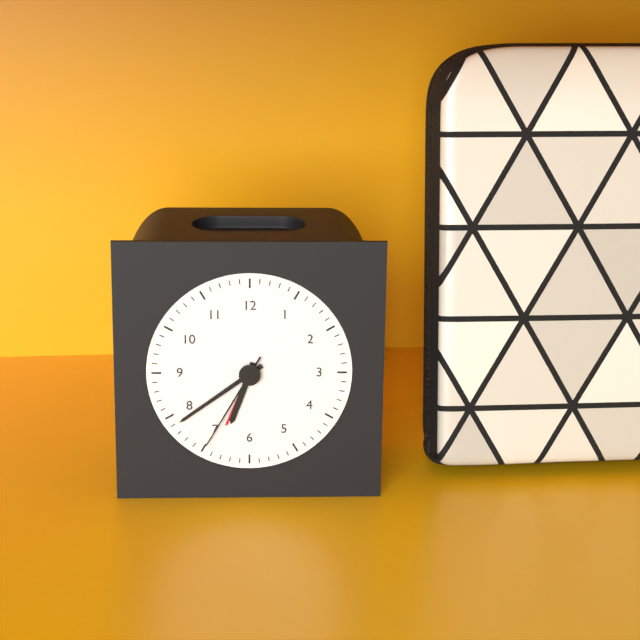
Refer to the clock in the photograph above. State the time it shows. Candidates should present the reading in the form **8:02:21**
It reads **6:39:35**
